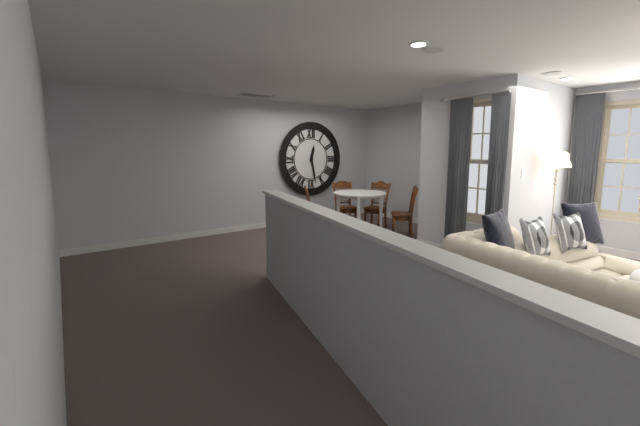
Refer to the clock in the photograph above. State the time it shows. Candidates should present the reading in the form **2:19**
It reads **12:28**
